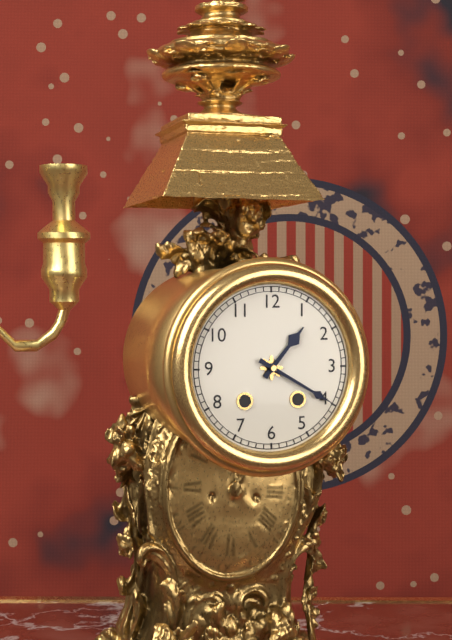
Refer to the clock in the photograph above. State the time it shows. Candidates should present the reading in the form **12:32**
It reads **1:20**
